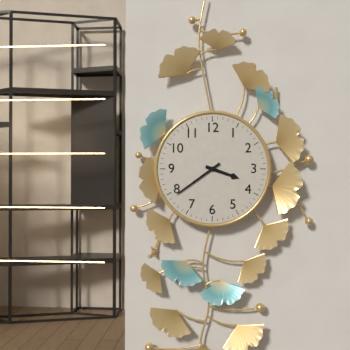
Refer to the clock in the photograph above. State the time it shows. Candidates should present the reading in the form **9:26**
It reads **3:39**
